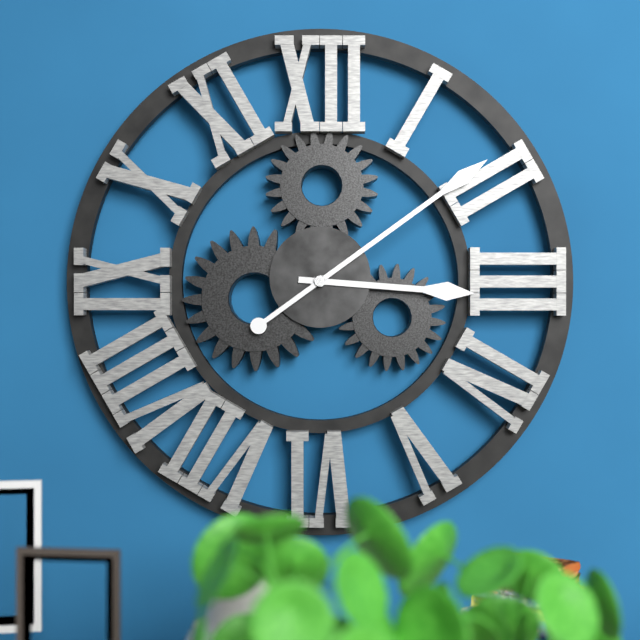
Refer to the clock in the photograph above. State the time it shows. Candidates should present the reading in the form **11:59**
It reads **3:09**
